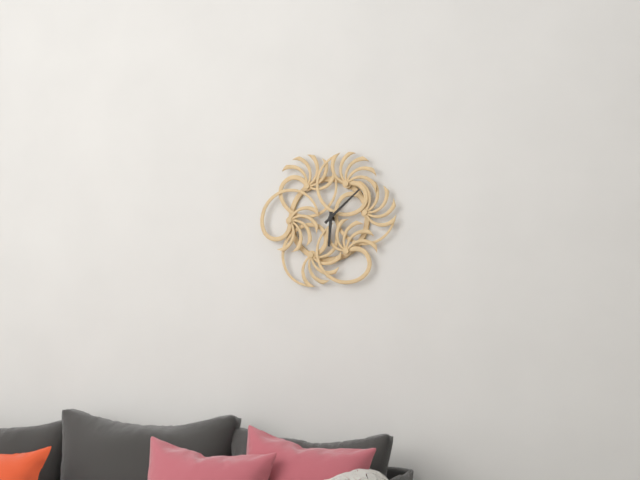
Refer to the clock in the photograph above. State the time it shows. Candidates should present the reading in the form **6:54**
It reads **6:08**
